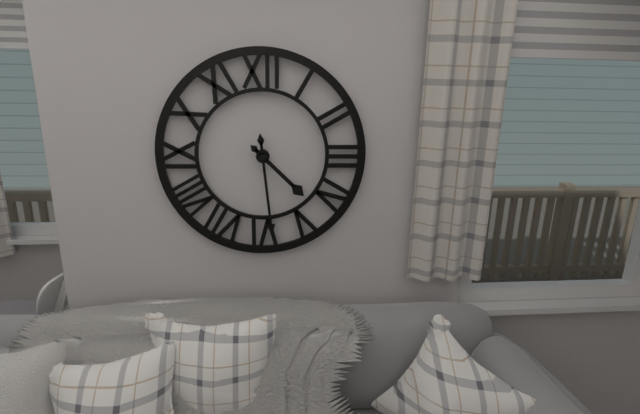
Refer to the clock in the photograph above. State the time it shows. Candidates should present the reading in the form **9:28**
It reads **4:29**
